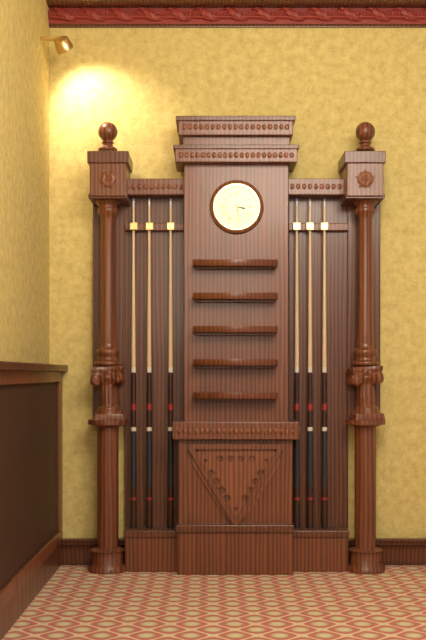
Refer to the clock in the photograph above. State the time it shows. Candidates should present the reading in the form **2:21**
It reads **3:28**
